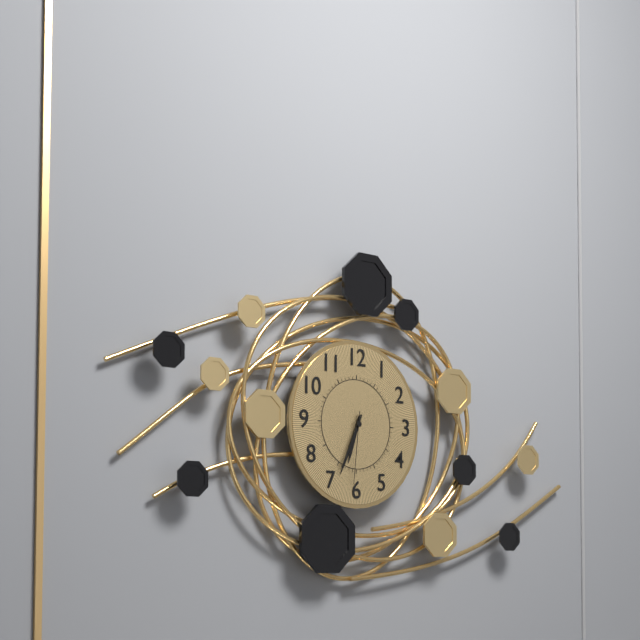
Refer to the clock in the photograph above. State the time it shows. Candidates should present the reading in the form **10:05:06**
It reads **6:34:31**
